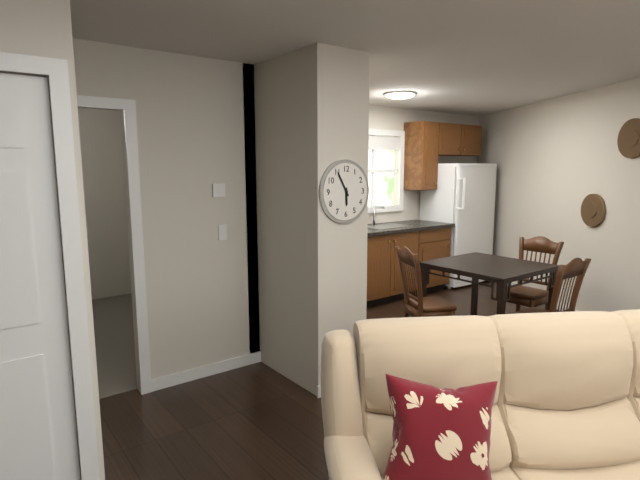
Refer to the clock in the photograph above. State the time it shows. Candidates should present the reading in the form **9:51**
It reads **5:55**
